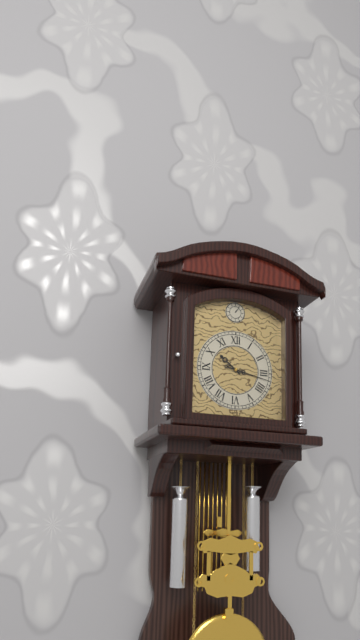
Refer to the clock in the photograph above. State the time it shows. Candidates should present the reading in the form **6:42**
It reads **10:17**
